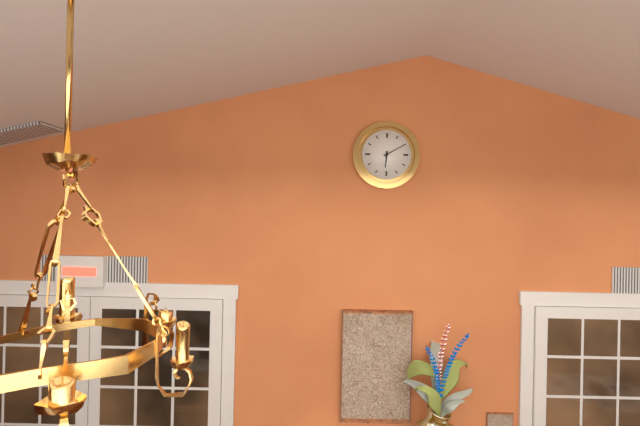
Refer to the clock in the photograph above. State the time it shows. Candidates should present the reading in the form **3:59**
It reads **6:10**
